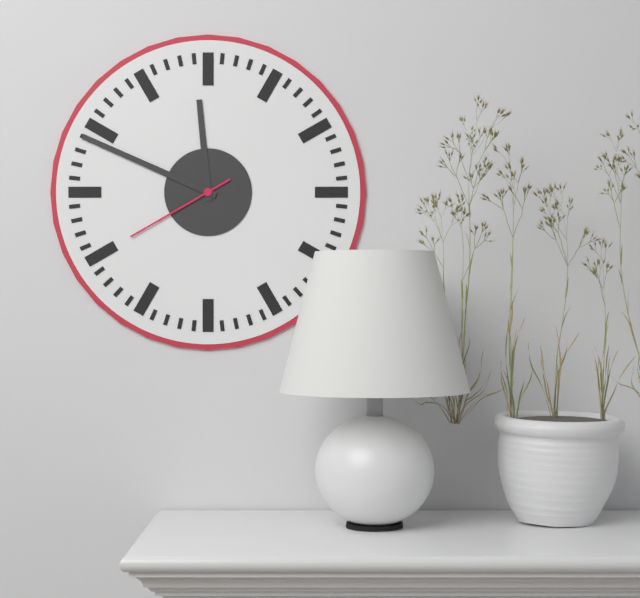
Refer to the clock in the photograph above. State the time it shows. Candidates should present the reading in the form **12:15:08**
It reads **11:49:40**
